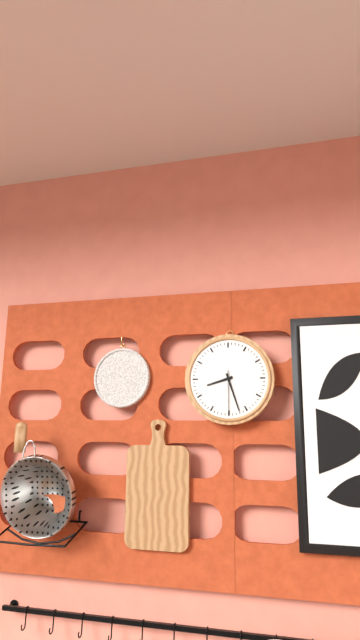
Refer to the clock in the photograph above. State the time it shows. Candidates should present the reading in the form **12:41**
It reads **8:27**
